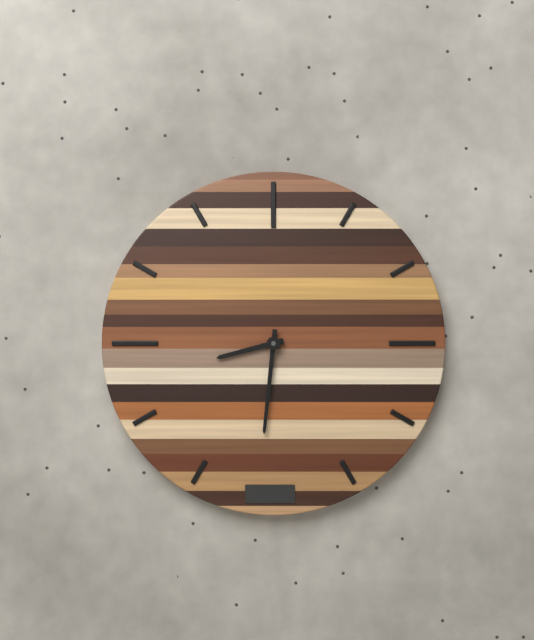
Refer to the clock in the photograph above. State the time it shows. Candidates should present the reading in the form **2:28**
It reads **8:31**
